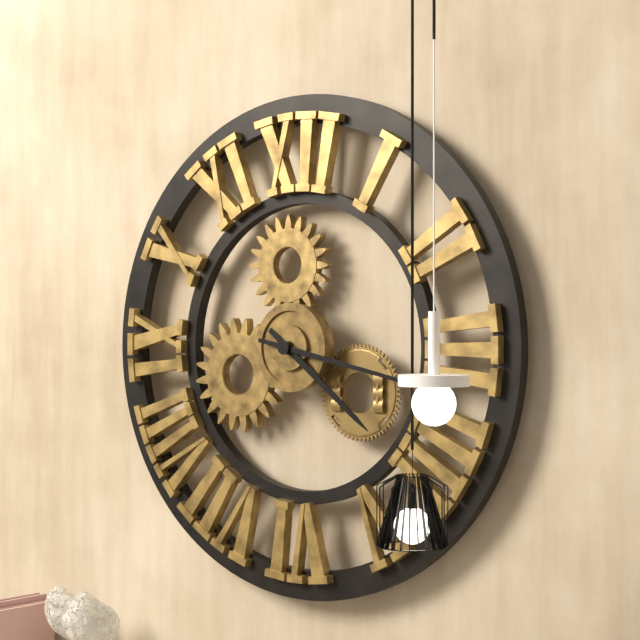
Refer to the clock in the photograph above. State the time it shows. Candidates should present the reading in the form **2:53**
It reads **4:17**
